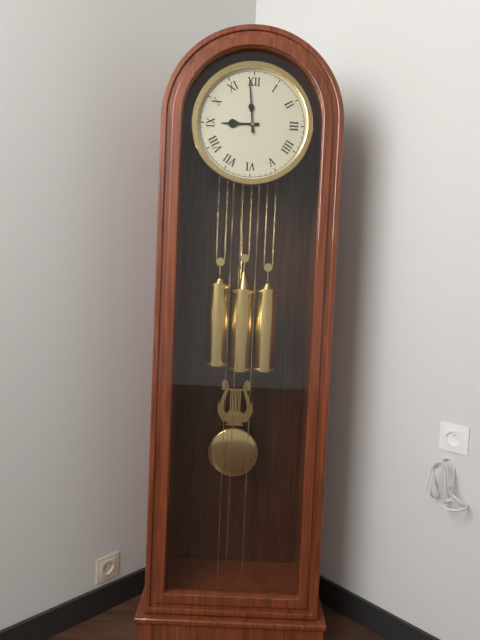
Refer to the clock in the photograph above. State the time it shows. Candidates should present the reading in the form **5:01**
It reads **8:59**
